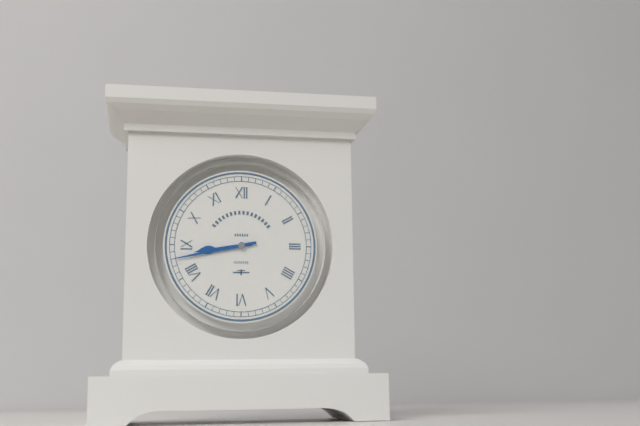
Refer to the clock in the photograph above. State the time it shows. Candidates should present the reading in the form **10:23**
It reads **8:43**
